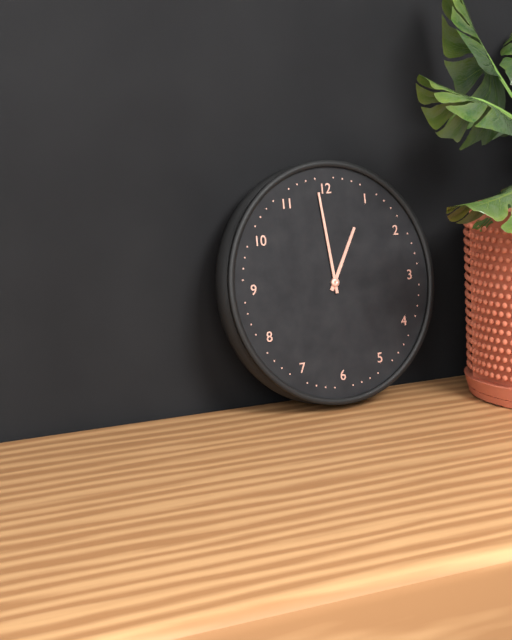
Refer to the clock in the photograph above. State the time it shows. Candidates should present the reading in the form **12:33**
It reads **12:59**
